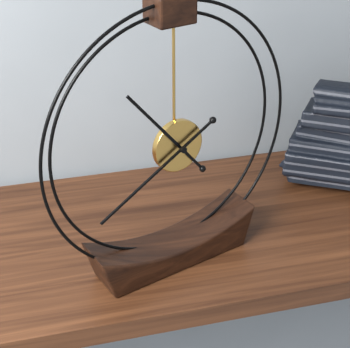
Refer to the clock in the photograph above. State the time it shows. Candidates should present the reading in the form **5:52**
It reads **10:40**
